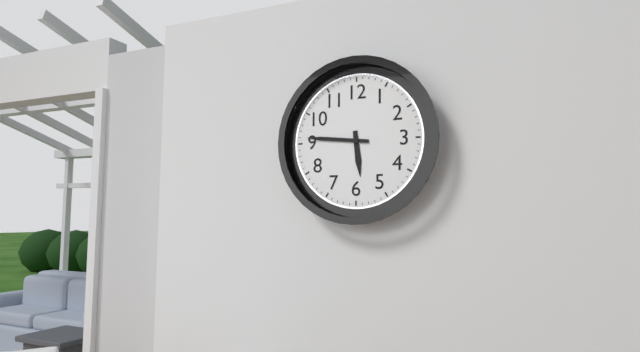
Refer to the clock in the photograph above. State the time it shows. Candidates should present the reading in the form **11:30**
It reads **5:46**
